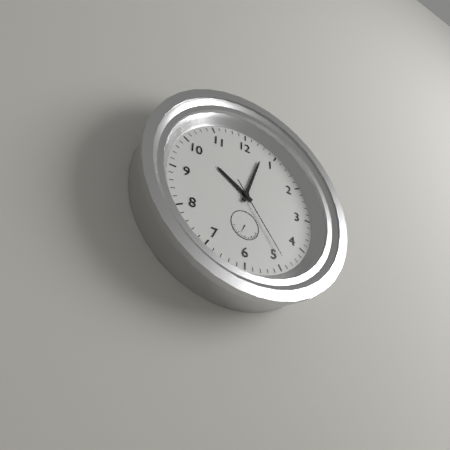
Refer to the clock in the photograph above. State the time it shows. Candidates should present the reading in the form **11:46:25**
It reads **10:03:24**
